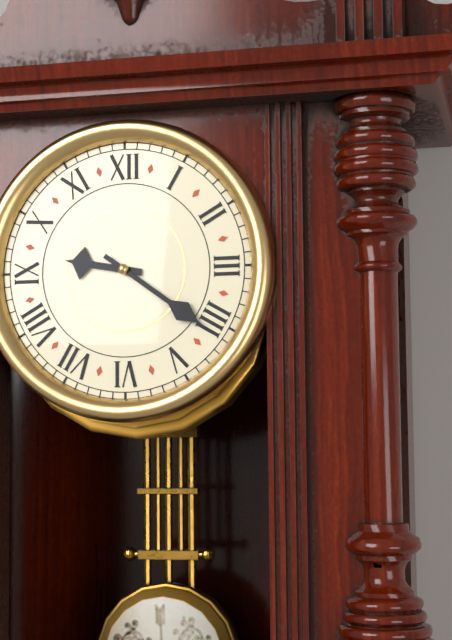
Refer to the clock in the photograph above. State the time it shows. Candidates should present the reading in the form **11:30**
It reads **9:21**
